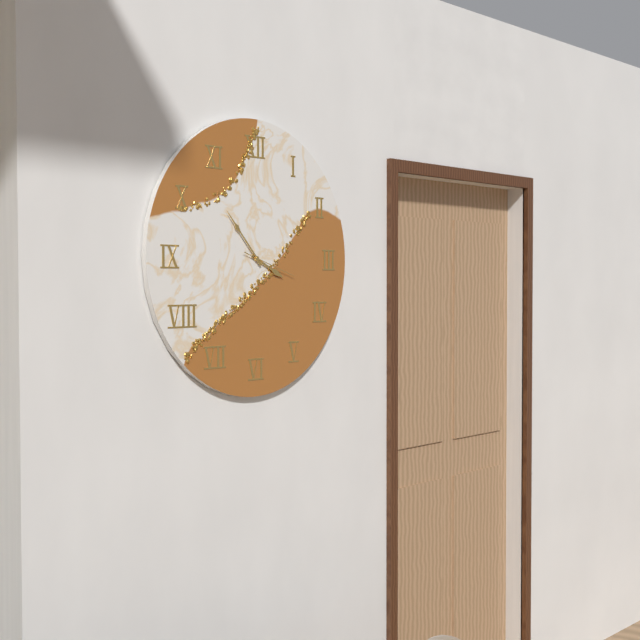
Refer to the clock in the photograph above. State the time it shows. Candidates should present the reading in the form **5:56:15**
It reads **3:53:18**
